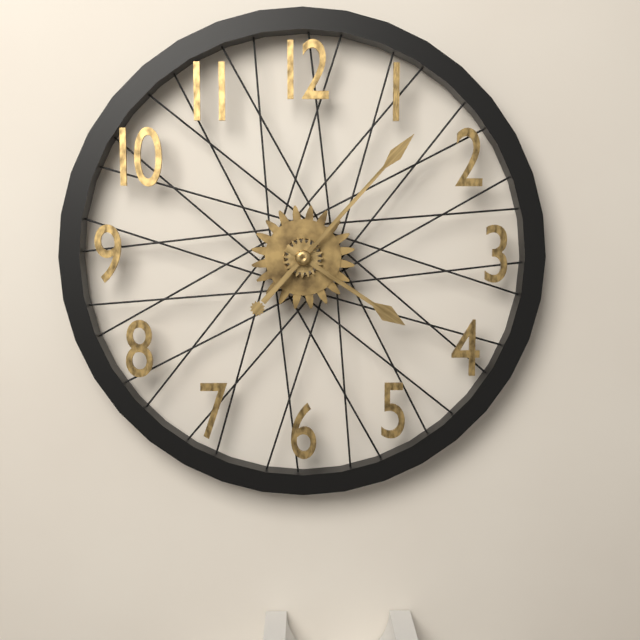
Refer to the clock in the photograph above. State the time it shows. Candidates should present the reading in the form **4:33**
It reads **4:07**
